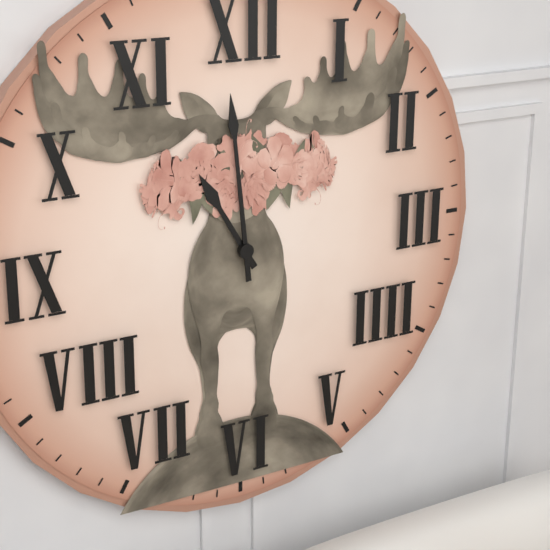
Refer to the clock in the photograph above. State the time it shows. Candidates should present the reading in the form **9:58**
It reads **10:59**
